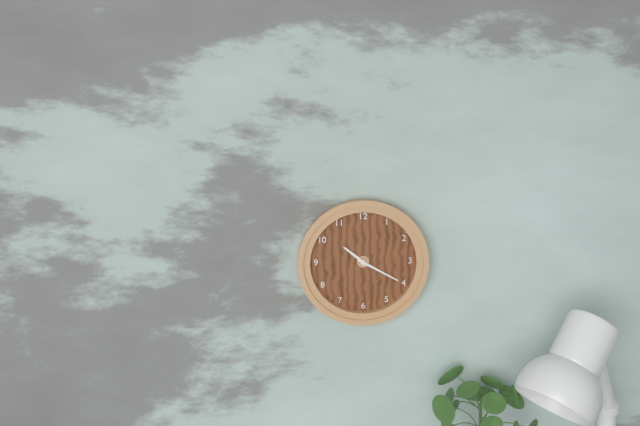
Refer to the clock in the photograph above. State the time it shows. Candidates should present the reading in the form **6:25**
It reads **10:20**
